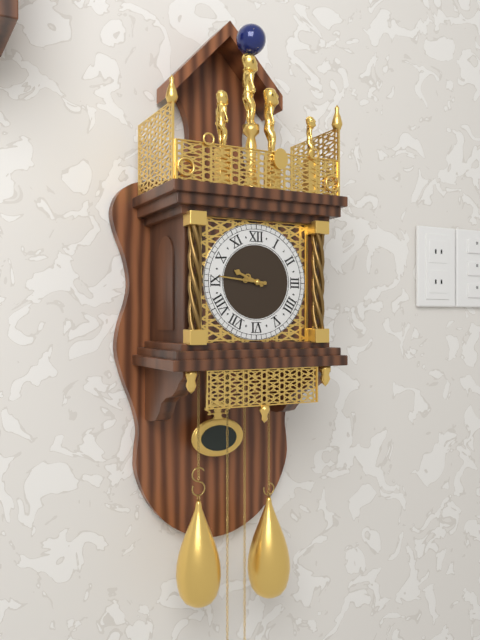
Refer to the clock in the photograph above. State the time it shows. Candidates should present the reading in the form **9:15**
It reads **9:46**
